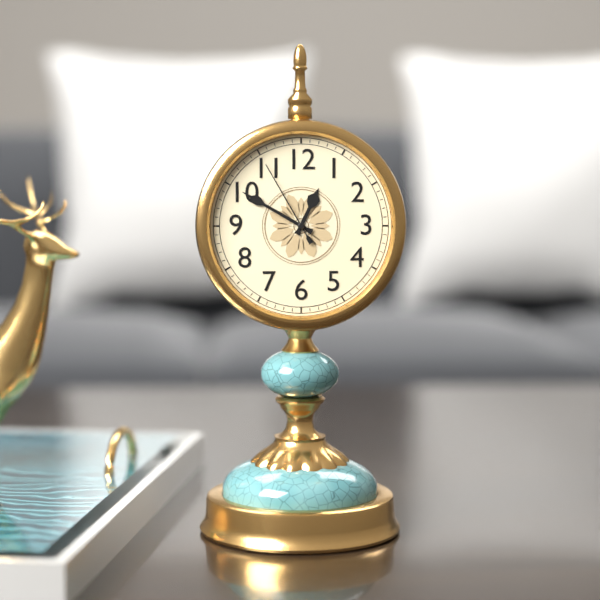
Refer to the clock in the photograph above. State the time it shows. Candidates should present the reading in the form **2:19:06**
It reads **12:50:55**
